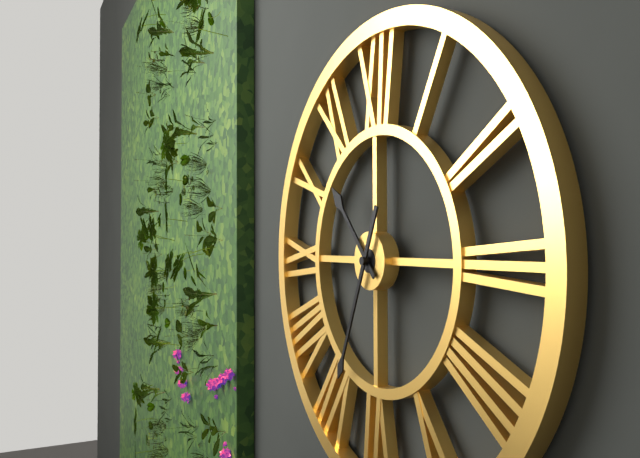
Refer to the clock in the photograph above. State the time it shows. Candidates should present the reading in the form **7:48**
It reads **10:34**
